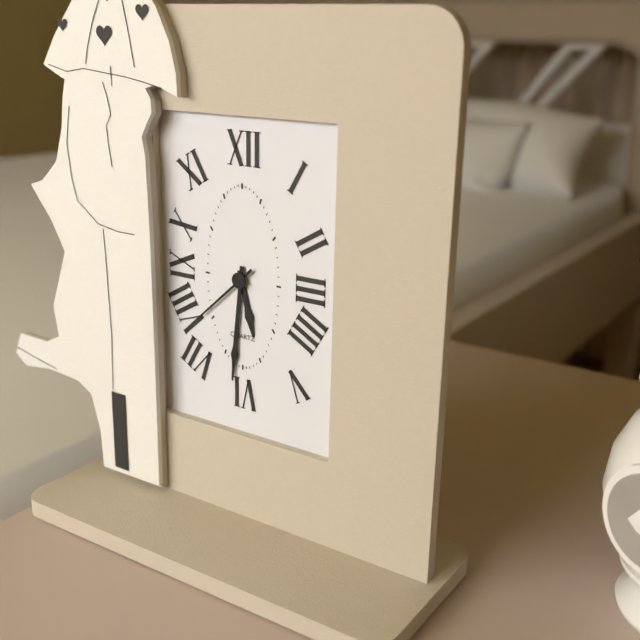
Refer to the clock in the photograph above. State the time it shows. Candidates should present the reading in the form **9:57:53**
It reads **5:31:38**
